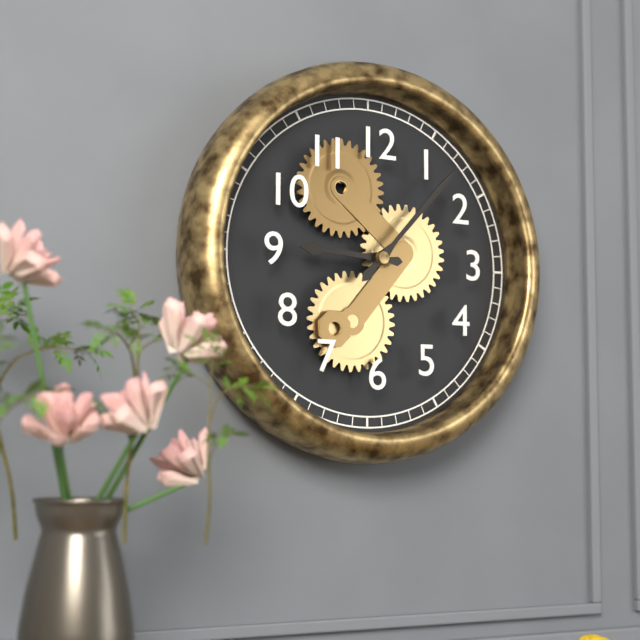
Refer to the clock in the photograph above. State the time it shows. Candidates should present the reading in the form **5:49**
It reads **9:07**
